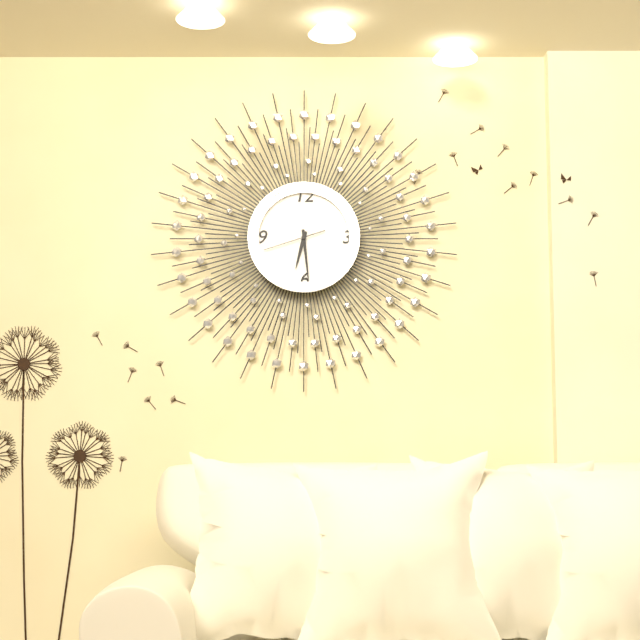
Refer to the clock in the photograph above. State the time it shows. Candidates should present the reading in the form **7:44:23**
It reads **6:29:42**
